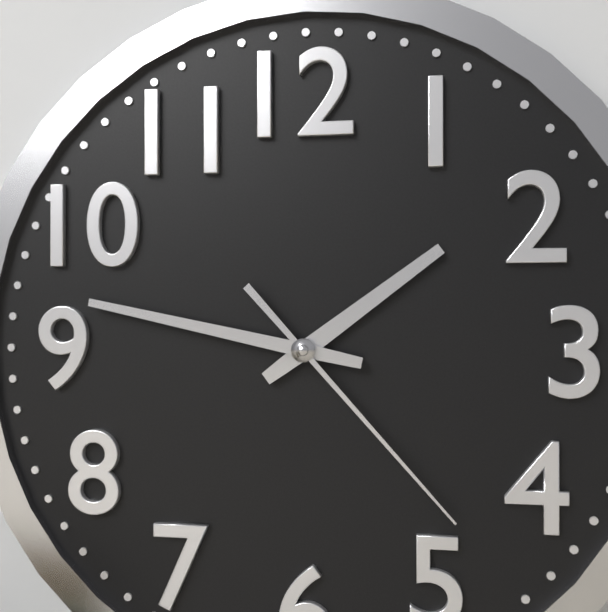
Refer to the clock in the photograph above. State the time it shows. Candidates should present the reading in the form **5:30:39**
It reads **1:47:23**
